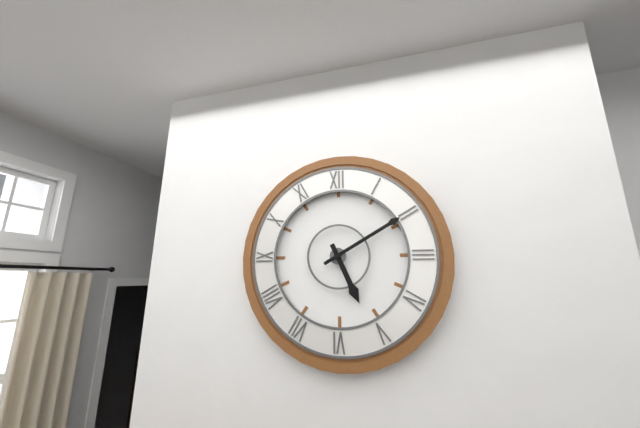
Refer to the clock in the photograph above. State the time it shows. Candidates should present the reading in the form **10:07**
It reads **5:10**
